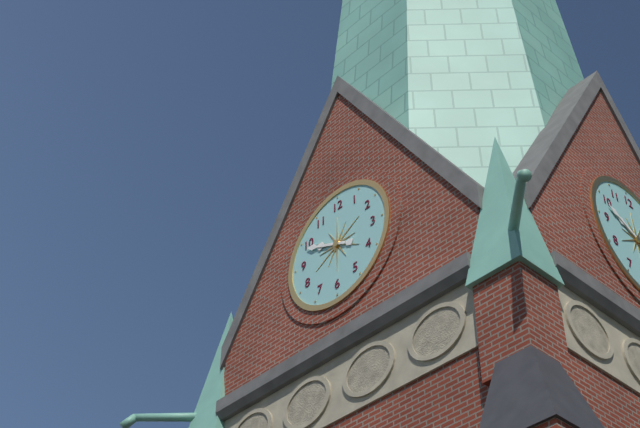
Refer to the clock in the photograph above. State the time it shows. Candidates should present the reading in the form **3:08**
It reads **9:49**
